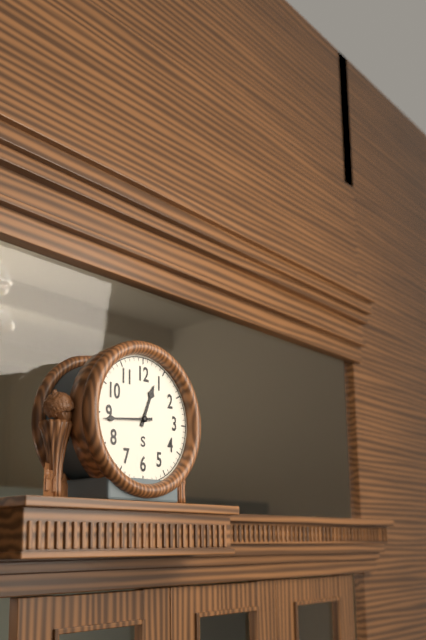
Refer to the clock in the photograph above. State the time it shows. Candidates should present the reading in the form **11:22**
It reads **12:44**
